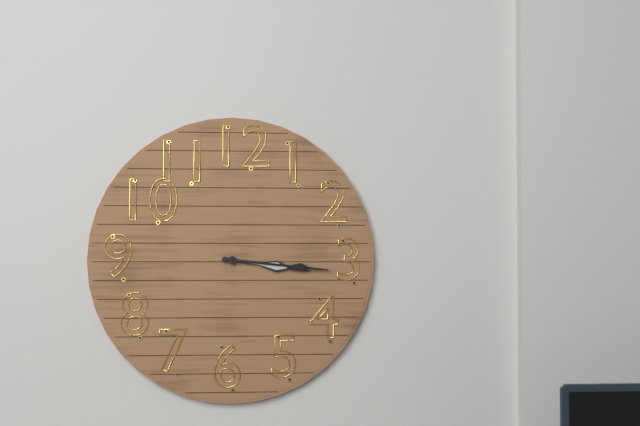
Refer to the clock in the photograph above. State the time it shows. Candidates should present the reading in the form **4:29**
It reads **3:16**
